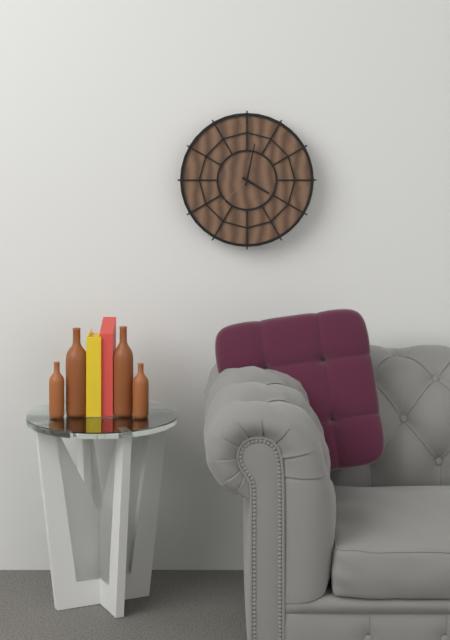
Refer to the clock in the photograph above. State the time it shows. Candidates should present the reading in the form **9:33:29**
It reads **4:02:38**
